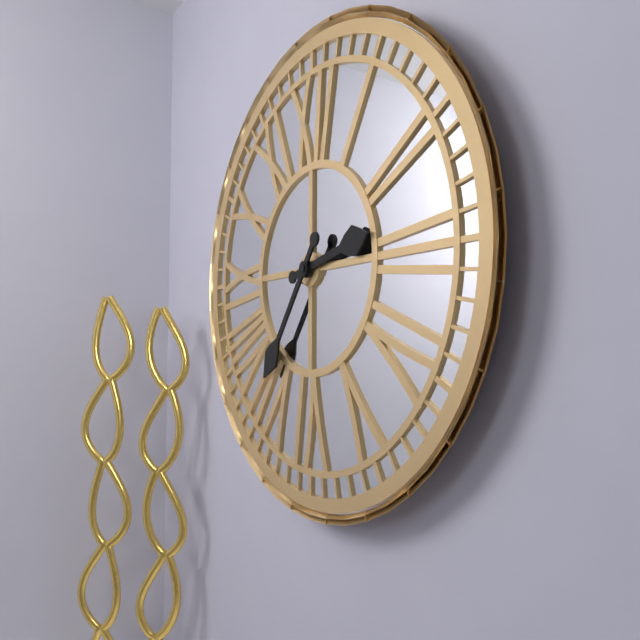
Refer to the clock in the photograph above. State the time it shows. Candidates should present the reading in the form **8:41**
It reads **2:36**
